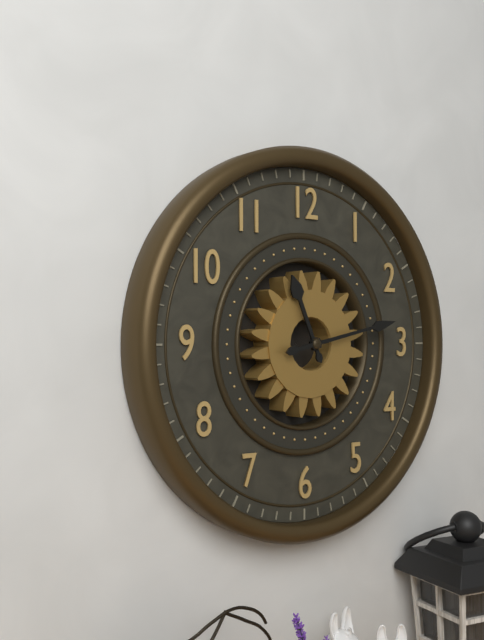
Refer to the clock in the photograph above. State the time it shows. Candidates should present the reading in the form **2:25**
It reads **11:13**
